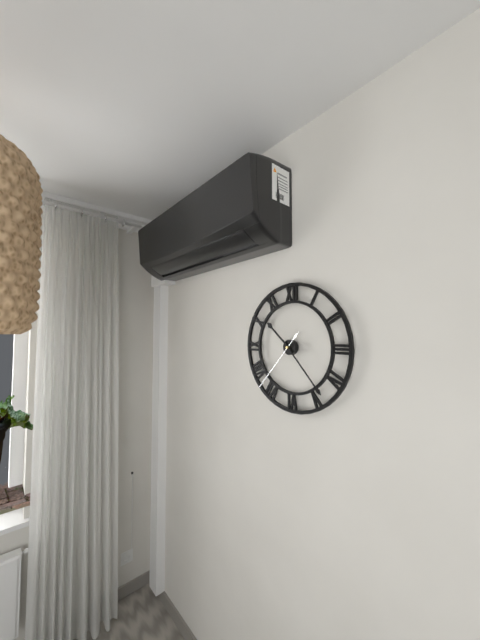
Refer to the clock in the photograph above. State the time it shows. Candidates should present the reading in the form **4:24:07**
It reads **10:23:37**
